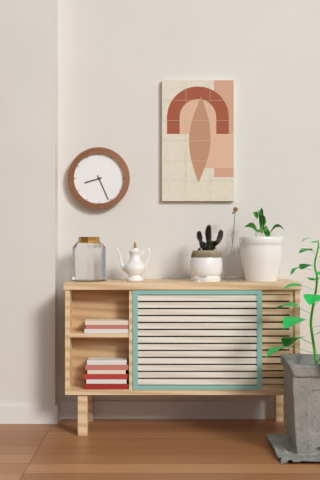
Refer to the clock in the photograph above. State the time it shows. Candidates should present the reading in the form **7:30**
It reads **8:26**
